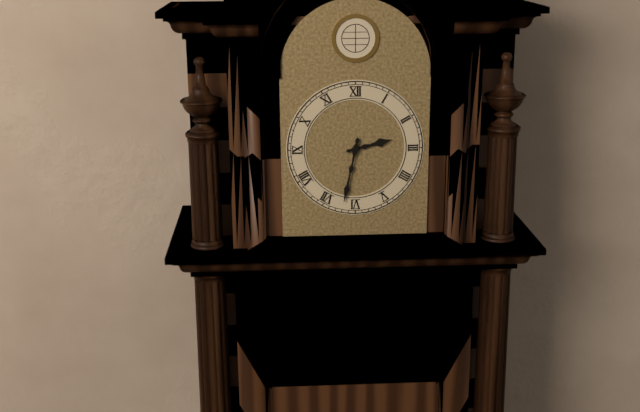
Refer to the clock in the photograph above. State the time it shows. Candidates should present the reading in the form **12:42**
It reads **2:32**
